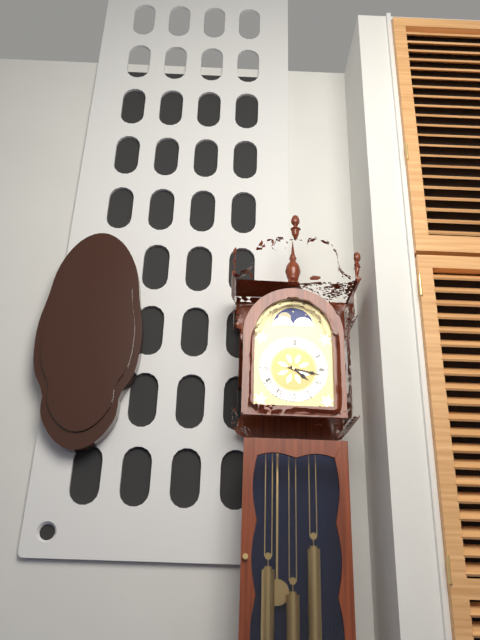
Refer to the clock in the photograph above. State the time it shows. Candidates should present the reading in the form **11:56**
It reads **4:17**
